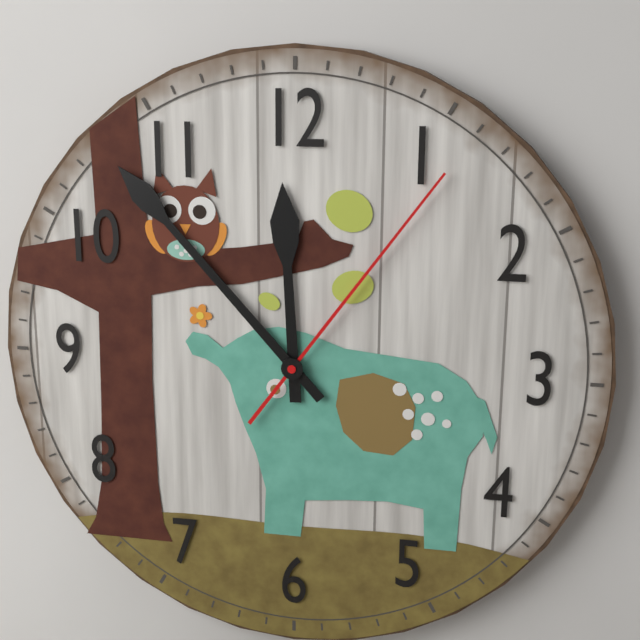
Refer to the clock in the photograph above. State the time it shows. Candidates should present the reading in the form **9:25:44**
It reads **11:53:06**
